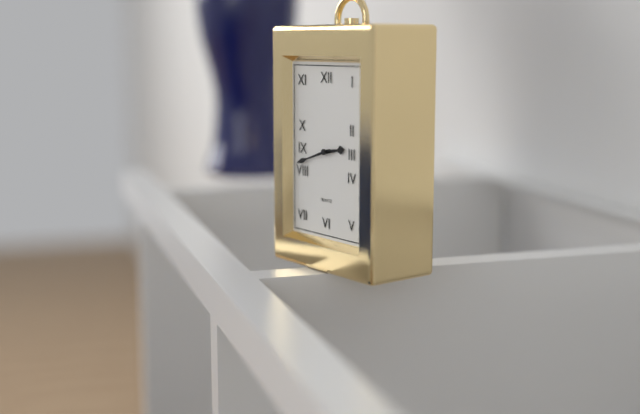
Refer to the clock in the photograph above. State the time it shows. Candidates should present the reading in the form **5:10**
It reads **2:42**
